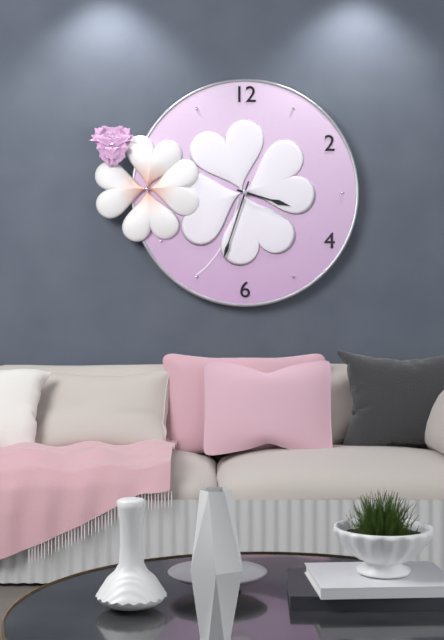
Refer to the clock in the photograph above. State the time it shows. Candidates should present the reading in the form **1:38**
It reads **3:33**
